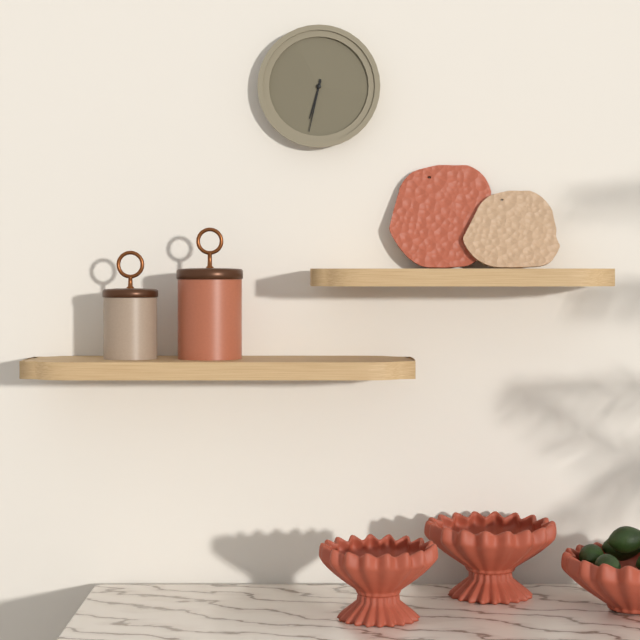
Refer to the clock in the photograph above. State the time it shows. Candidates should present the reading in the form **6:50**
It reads **6:32**
